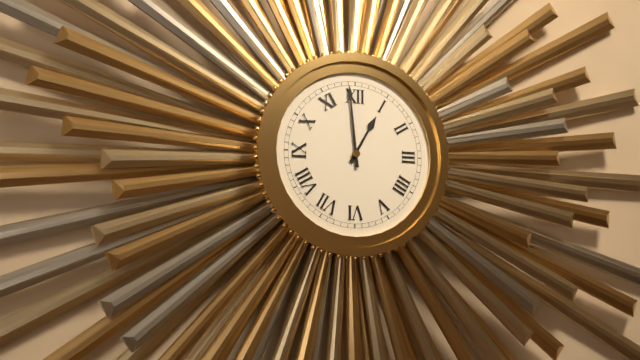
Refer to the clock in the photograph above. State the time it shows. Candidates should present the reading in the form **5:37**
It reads **12:59**
